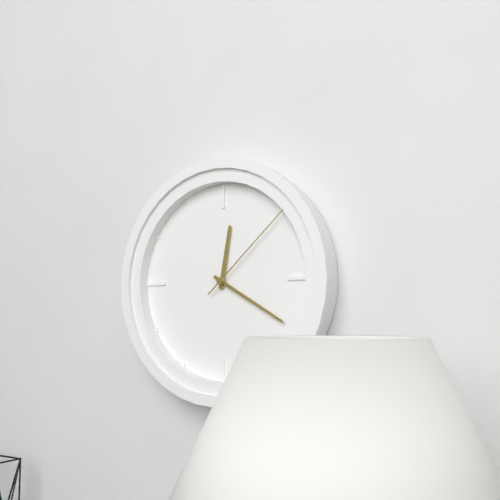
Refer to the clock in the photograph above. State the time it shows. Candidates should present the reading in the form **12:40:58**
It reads **12:20:08**
